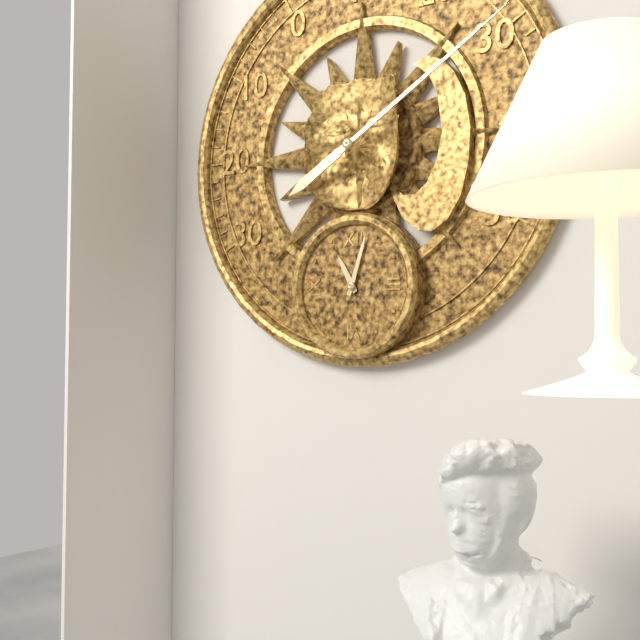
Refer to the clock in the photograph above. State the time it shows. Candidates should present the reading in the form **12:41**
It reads **11:03**
